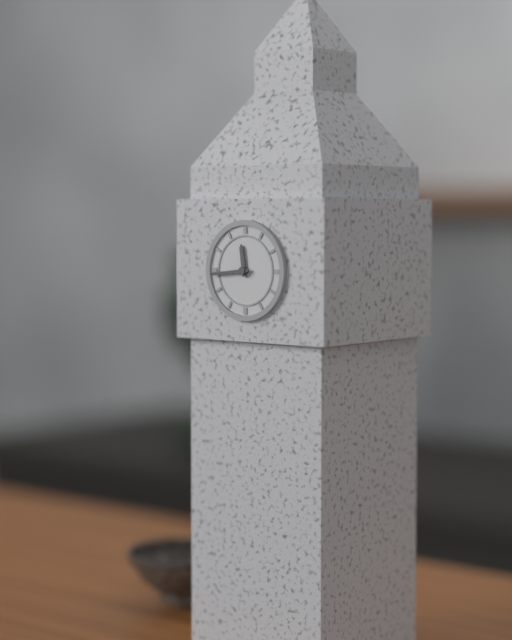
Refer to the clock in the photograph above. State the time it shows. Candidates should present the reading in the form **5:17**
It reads **11:44**
